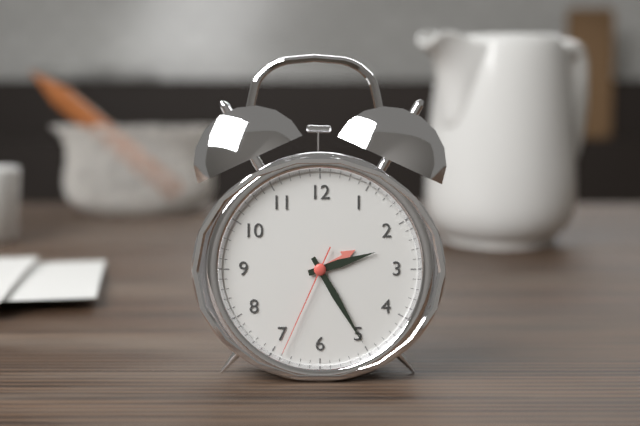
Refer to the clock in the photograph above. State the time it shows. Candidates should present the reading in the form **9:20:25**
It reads **2:25:34**
